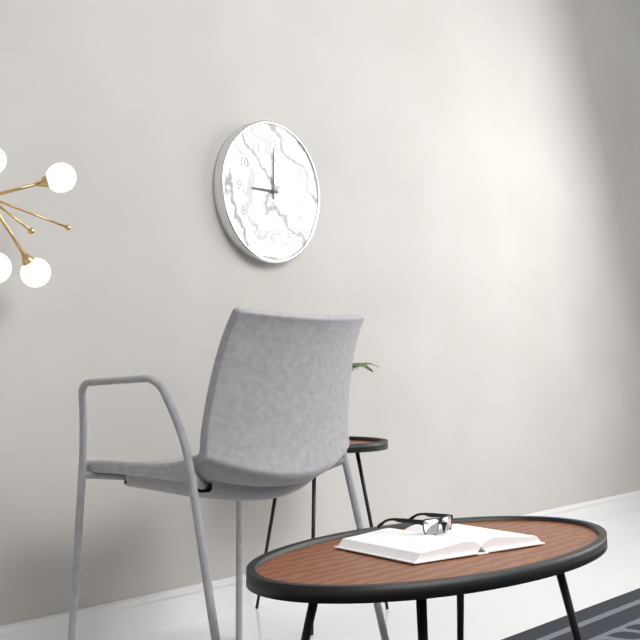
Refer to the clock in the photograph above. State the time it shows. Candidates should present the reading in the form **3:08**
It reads **9:00**
